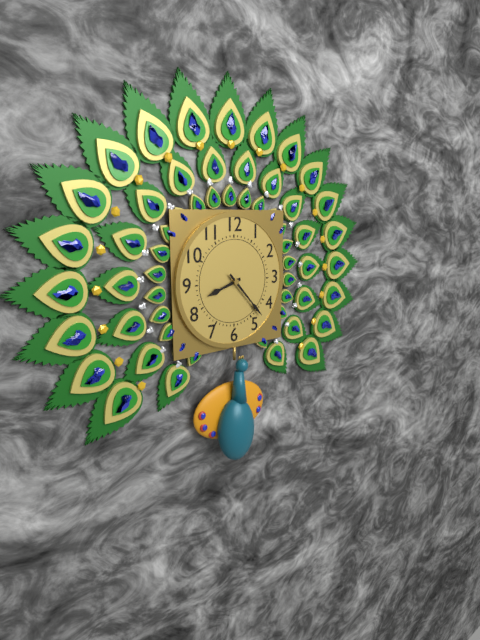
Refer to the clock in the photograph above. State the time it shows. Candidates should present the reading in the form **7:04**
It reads **8:23**
